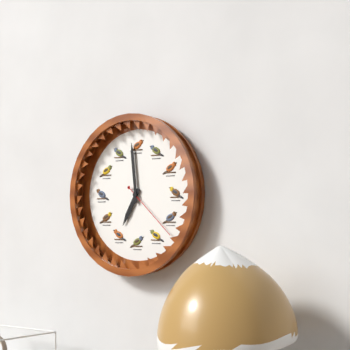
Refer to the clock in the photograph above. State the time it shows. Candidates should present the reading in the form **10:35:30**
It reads **6:59:22**
